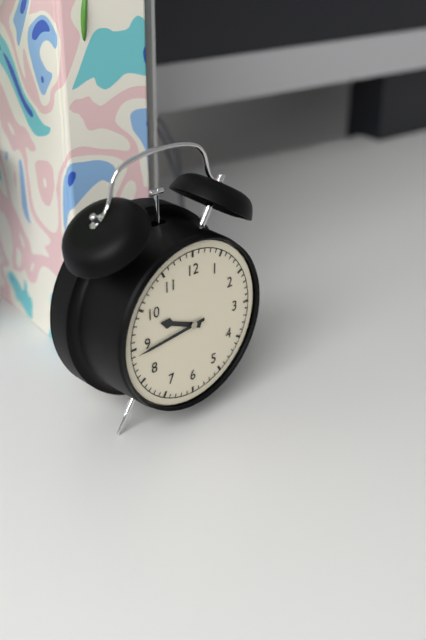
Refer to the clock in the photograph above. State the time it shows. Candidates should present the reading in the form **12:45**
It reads **9:44**
